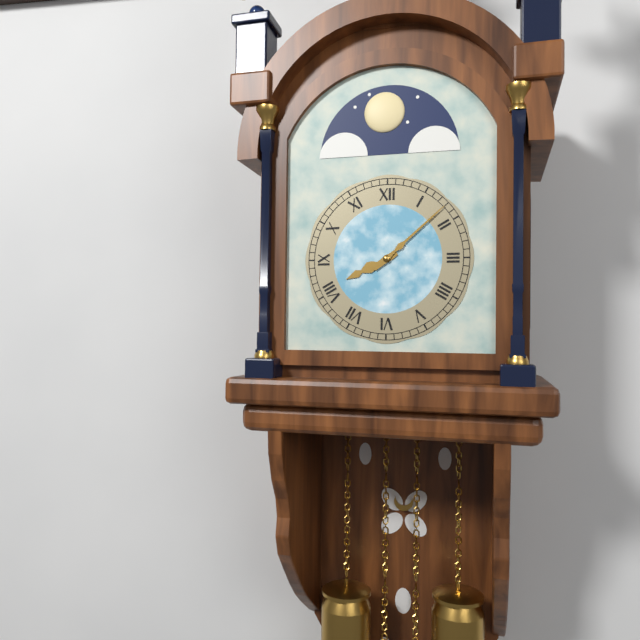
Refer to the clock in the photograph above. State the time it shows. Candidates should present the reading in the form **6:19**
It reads **8:08**
